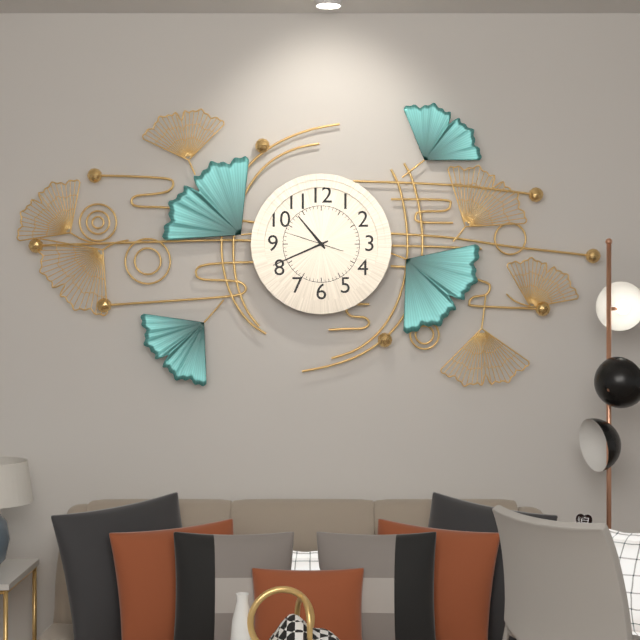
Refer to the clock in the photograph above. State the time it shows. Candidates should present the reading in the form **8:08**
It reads **10:41**
